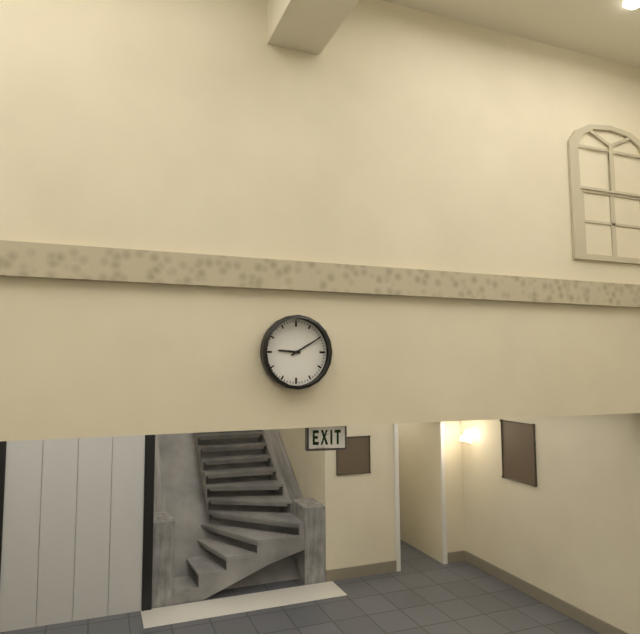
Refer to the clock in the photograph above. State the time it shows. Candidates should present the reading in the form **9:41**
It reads **9:10**
